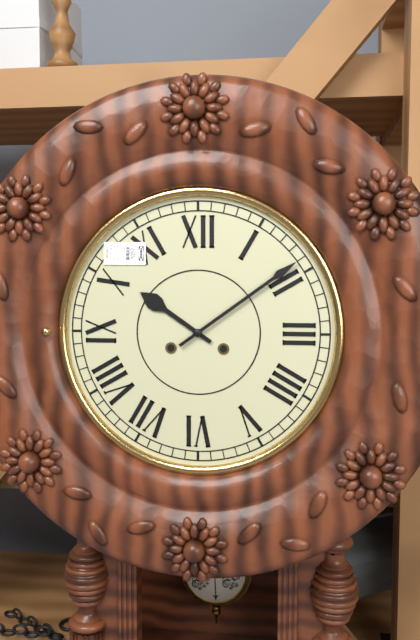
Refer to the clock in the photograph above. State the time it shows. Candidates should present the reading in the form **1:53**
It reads **10:09**
